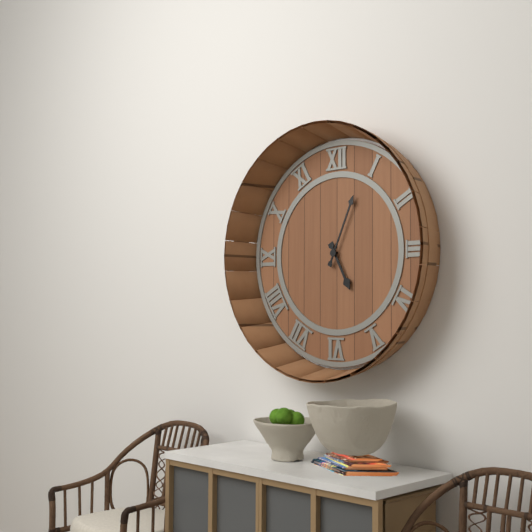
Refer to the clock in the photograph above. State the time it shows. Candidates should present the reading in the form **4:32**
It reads **5:04**
